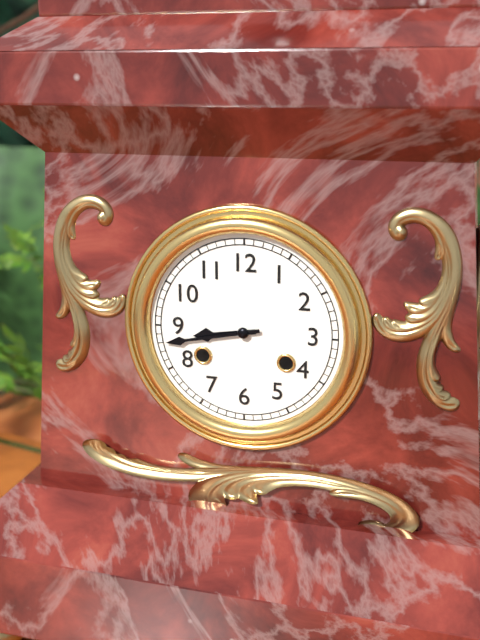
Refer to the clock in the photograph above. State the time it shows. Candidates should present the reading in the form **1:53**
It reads **8:43**
